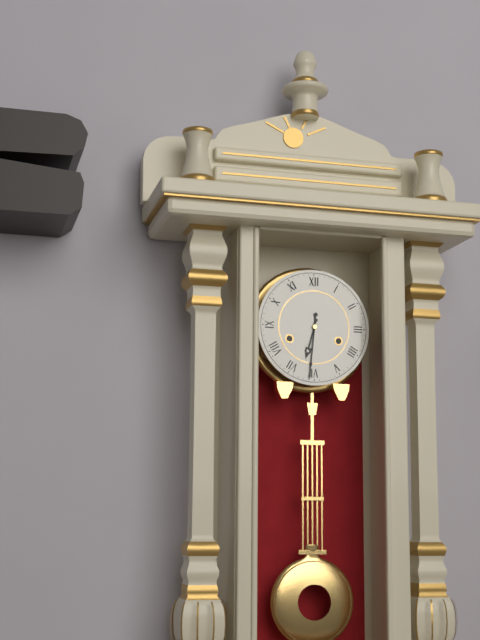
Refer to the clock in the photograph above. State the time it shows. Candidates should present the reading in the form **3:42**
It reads **6:31**
